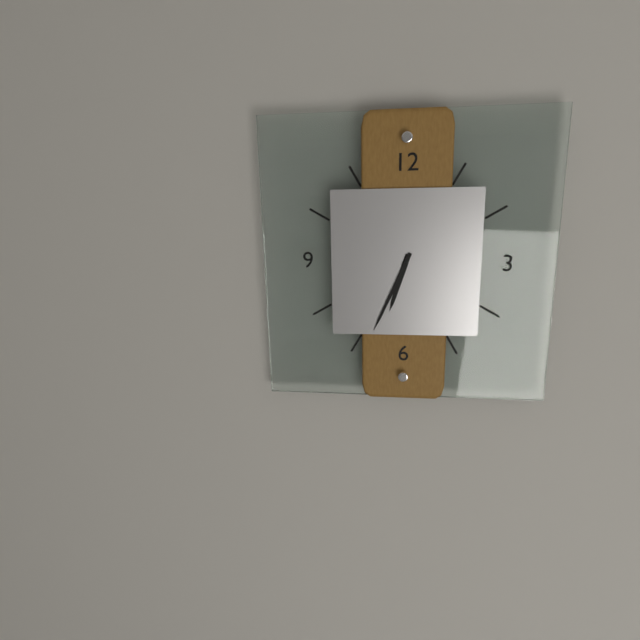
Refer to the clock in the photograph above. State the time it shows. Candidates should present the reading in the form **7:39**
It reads **6:34**
